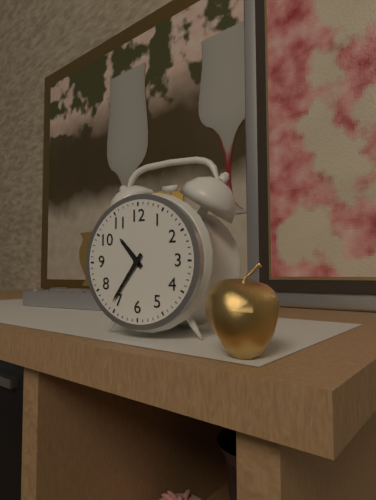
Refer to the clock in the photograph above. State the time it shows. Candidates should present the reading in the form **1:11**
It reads **10:36**
